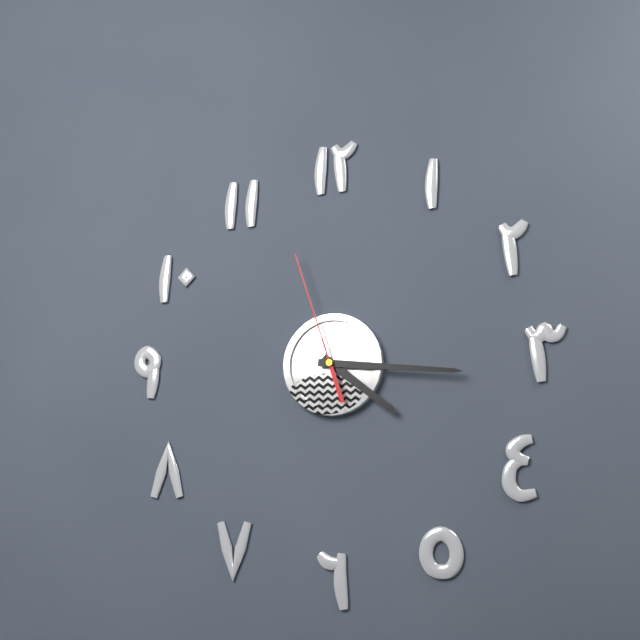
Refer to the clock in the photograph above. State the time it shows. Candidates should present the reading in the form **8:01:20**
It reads **4:16:57**
